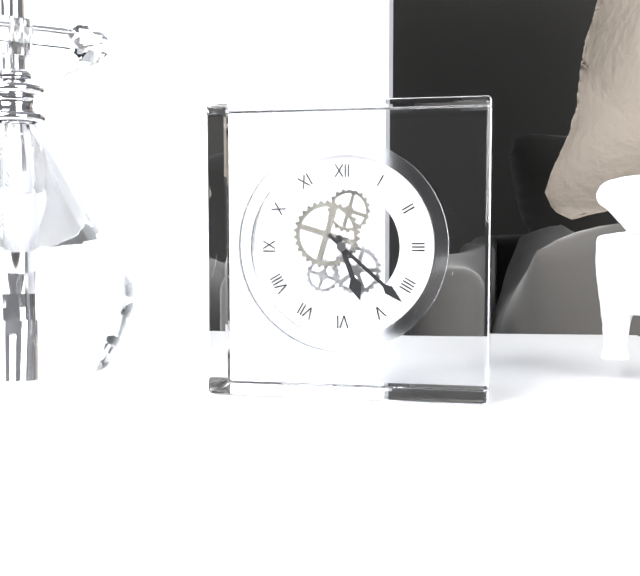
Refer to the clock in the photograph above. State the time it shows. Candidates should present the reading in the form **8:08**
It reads **5:22**
